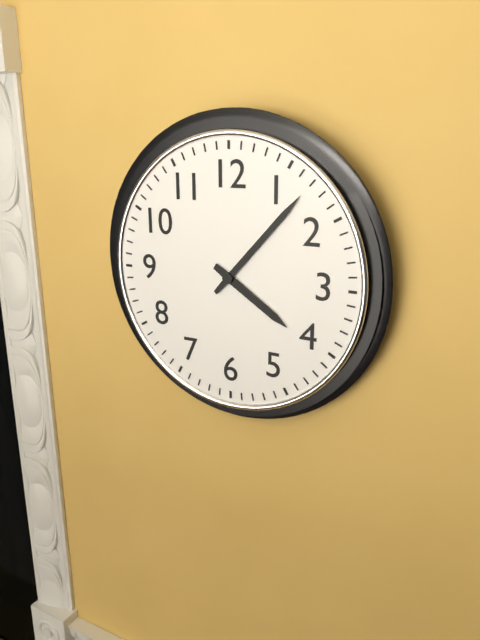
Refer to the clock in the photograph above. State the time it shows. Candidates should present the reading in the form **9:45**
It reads **4:07**
